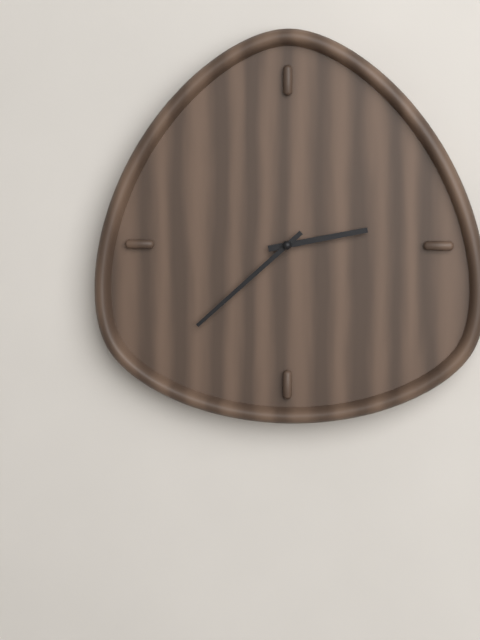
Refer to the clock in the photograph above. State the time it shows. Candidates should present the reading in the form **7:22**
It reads **2:38**
